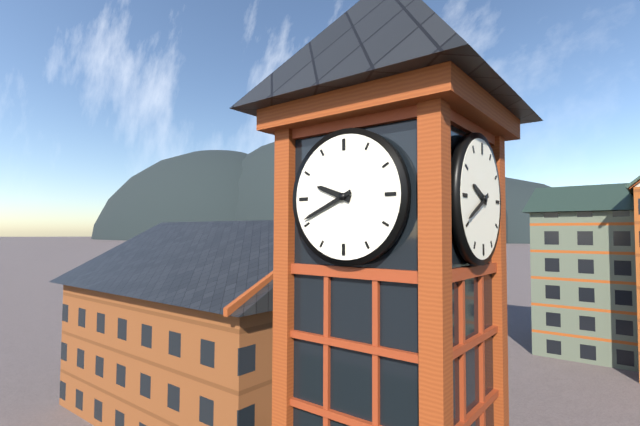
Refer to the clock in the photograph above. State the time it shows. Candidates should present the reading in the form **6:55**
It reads **9:41**
